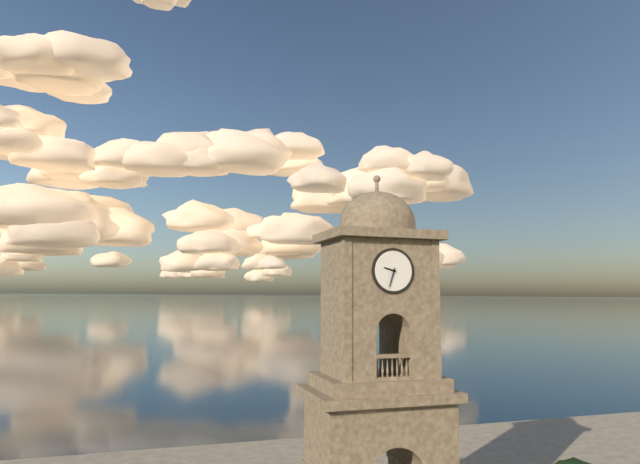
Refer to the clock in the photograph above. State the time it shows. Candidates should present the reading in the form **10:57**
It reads **9:33**
